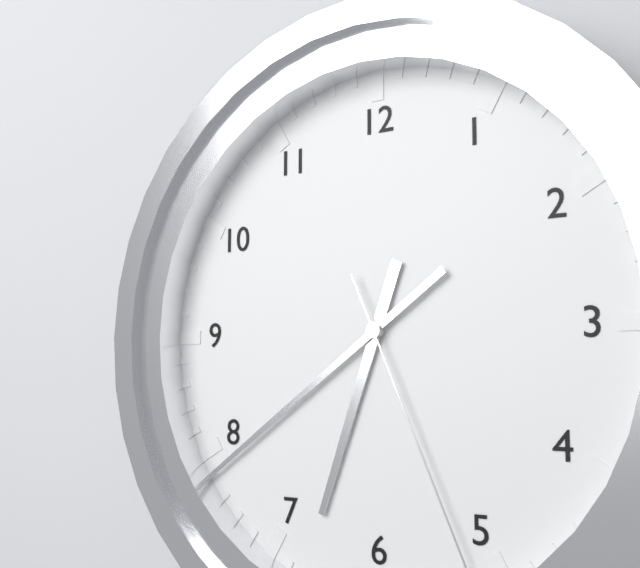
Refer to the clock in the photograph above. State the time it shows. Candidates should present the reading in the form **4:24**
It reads **6:39**
